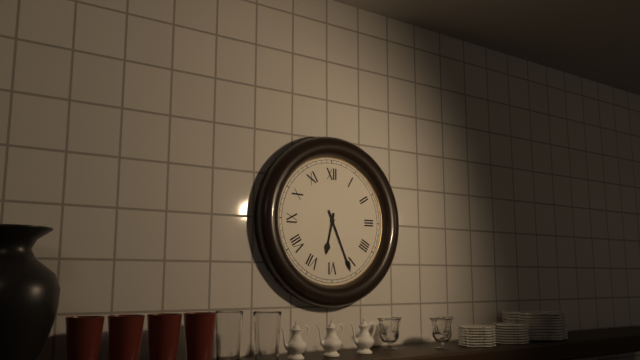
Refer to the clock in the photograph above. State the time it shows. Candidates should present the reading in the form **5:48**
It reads **6:26**
